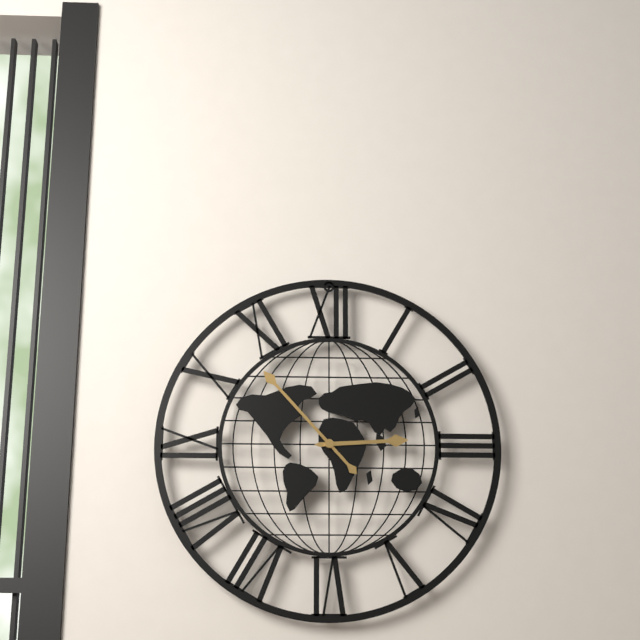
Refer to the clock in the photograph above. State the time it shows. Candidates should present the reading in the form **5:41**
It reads **2:53**
